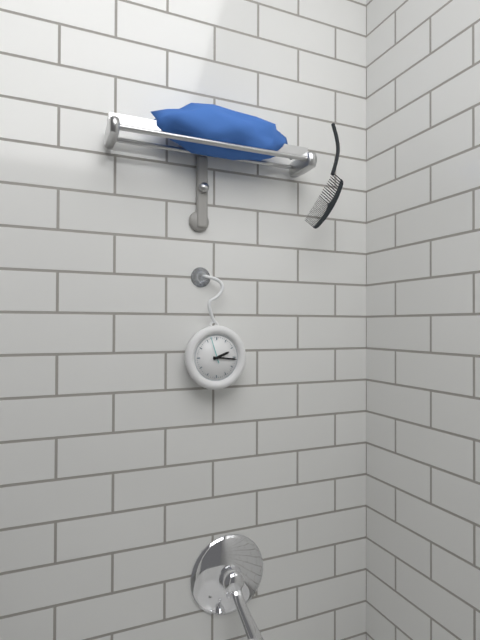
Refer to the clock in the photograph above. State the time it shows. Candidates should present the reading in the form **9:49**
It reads **2:16**
